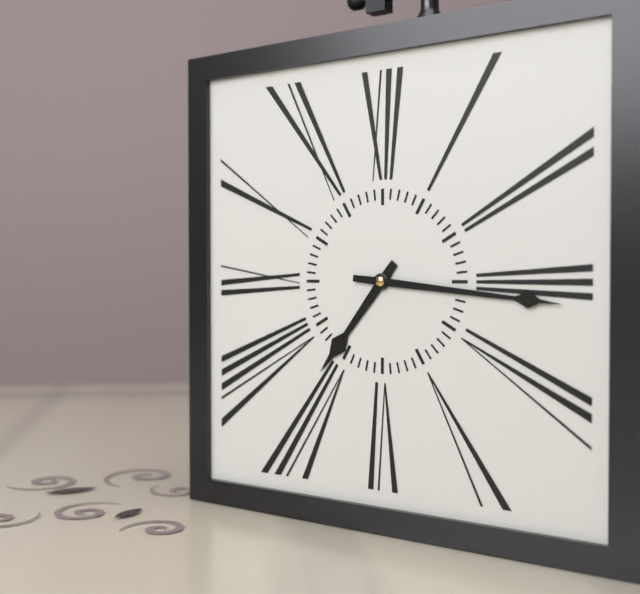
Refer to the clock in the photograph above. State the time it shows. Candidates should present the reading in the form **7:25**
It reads **7:16**
